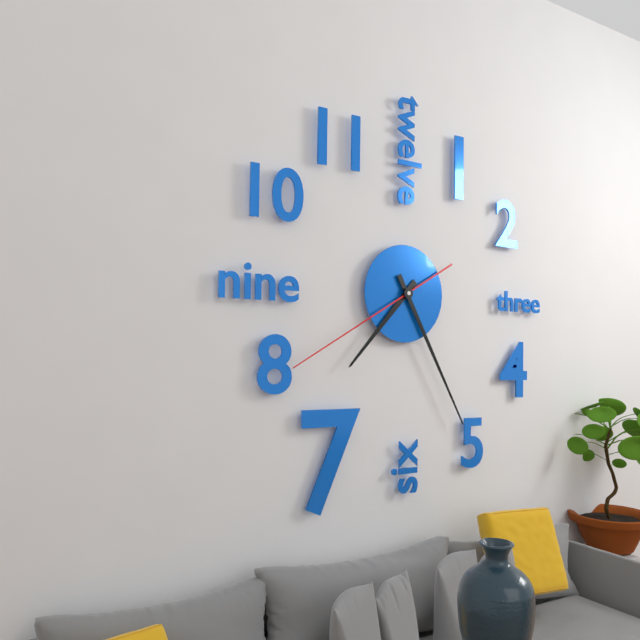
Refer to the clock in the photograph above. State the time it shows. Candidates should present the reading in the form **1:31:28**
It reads **7:25:40**
